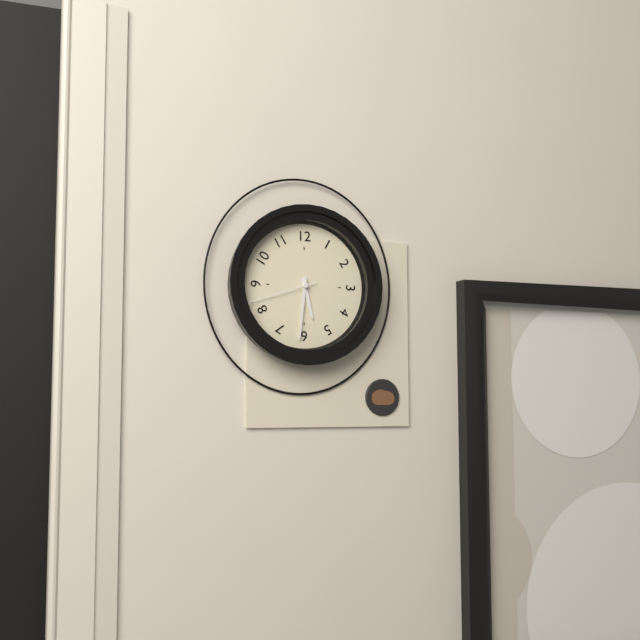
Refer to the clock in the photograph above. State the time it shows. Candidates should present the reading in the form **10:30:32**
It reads **5:31:42**
